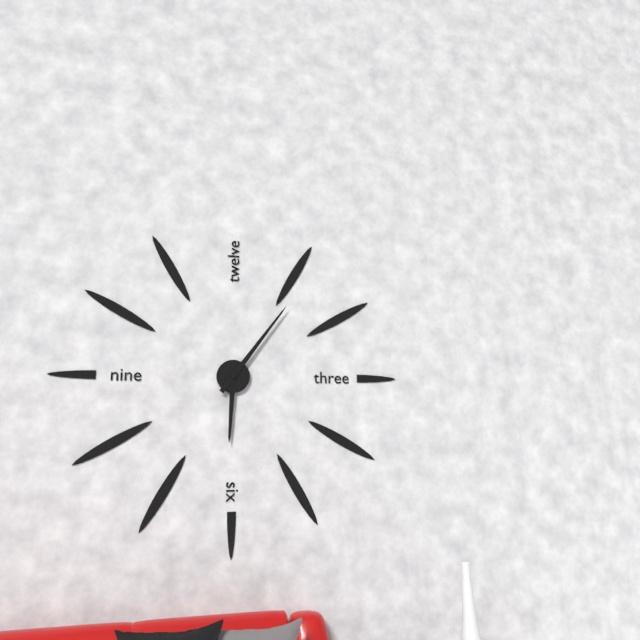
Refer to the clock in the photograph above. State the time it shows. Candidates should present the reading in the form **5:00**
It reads **6:06**
